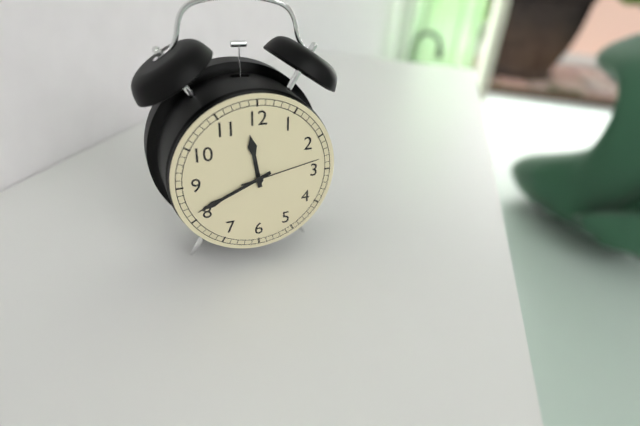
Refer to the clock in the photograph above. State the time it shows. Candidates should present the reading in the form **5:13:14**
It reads **11:41:13**
